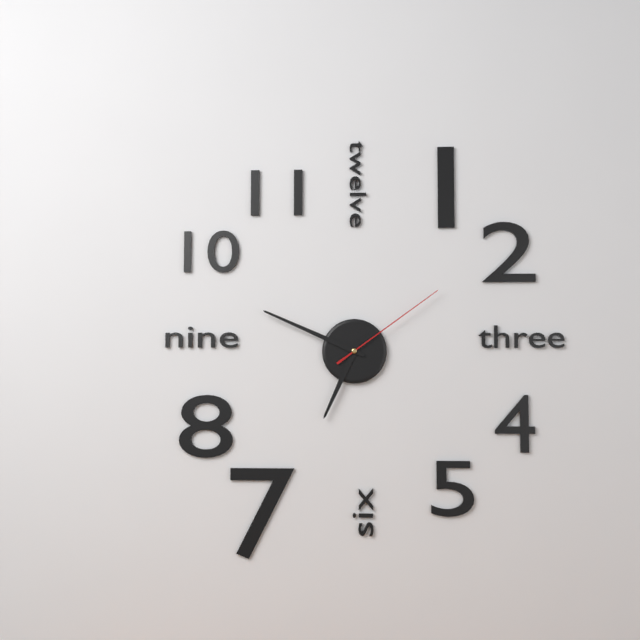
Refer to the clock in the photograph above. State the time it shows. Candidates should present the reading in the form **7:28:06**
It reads **6:49:09**
